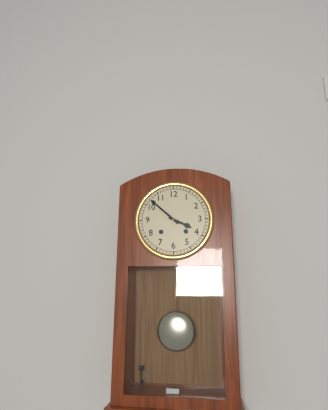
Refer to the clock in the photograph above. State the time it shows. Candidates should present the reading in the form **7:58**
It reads **3:52**
